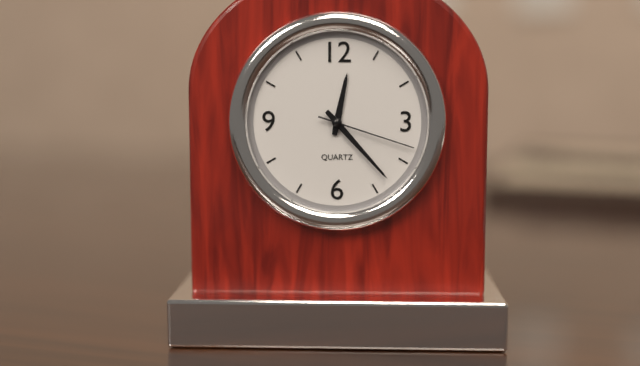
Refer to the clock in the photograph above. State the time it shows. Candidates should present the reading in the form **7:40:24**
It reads **12:23:18**
